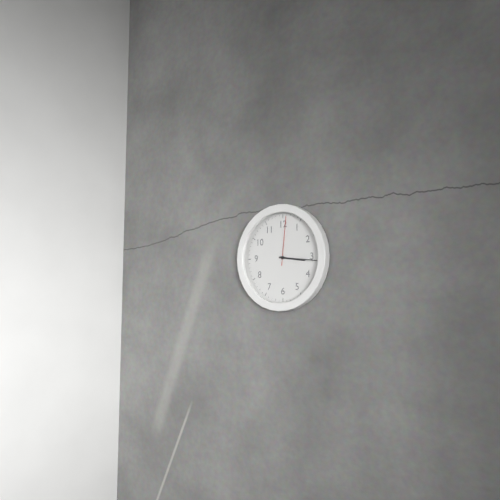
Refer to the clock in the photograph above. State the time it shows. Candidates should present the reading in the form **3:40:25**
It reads **3:16:01**
